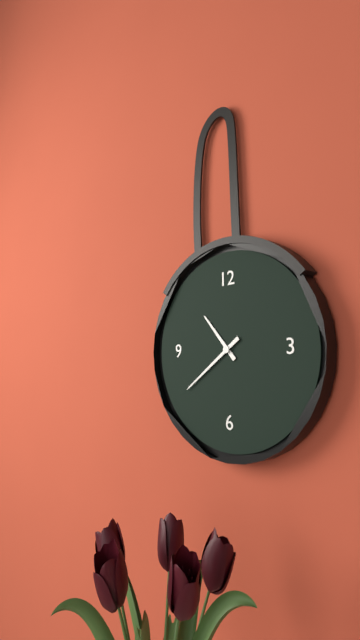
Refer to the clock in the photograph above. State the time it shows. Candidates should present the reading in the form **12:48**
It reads **10:39**
